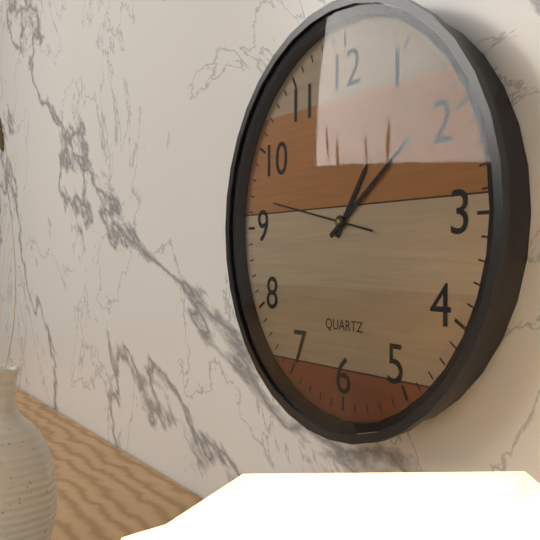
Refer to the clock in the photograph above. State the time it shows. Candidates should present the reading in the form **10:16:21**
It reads **1:09:47**
